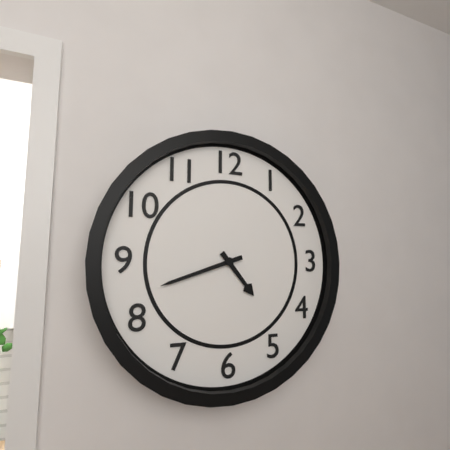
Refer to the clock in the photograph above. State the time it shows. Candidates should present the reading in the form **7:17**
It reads **4:42**
